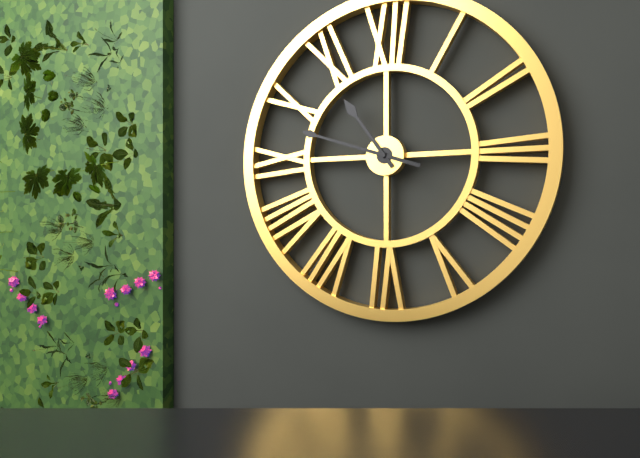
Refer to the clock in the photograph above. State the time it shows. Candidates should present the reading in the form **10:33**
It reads **10:48**
